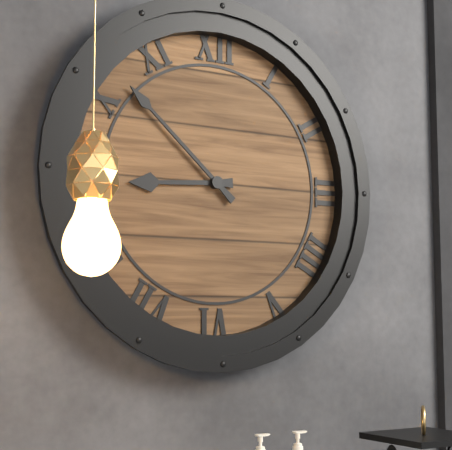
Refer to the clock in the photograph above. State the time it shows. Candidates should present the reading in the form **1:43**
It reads **8:52**
